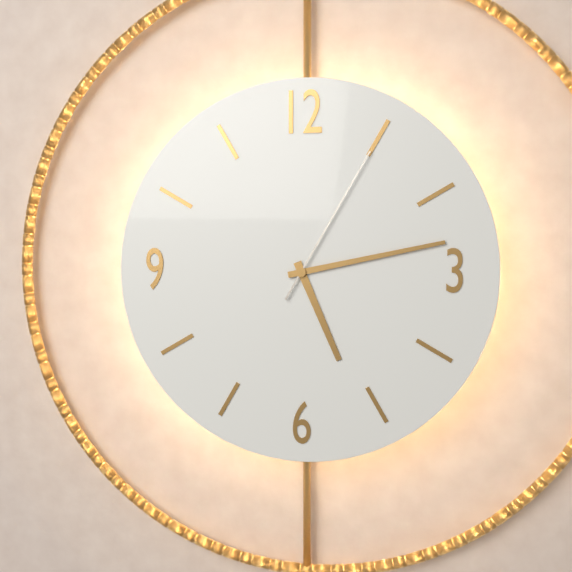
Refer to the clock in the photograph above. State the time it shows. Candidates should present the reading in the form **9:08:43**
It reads **5:13:05**
